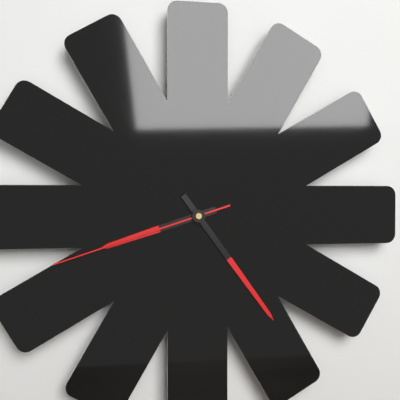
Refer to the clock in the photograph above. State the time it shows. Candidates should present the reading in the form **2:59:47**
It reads **8:24:42**
